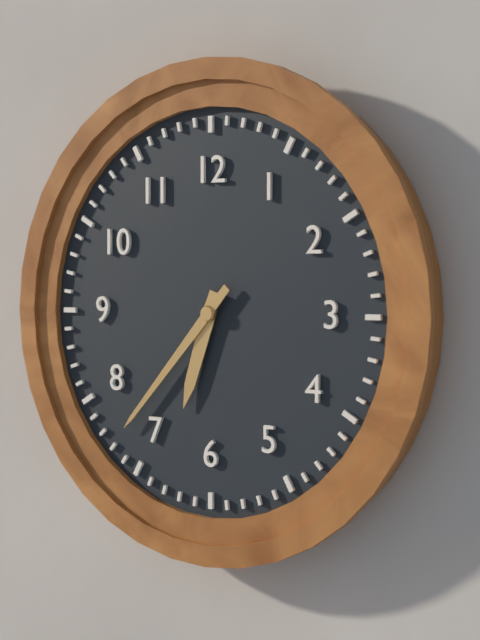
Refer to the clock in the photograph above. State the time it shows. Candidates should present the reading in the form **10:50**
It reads **6:37**
